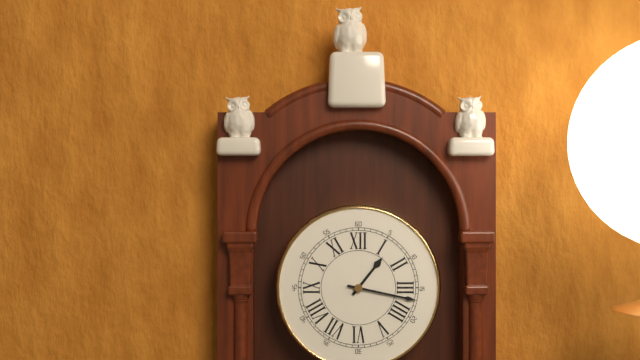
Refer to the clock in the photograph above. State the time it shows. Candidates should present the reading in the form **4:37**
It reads **1:17**
